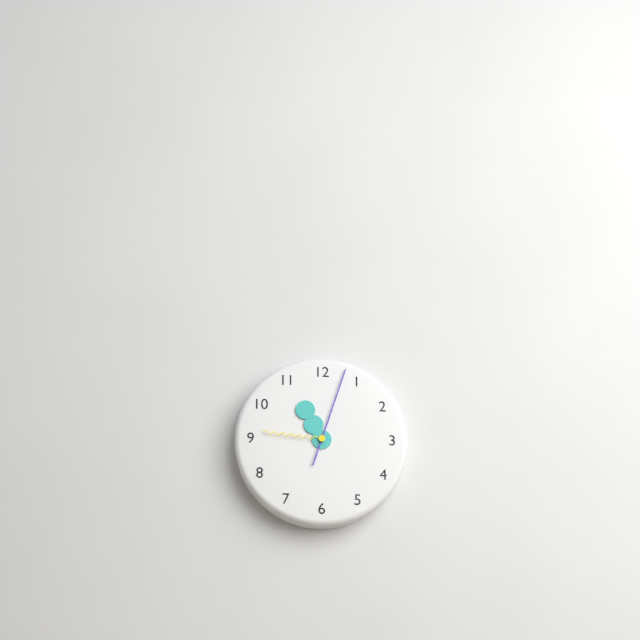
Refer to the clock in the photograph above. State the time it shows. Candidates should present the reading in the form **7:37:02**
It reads **11:03:46**
